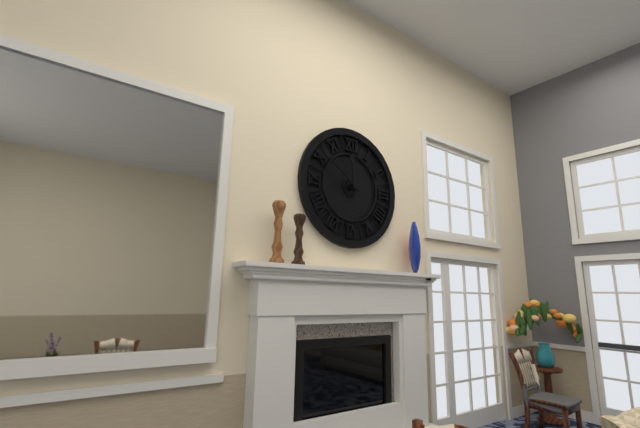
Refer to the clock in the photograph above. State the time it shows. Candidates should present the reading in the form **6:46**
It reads **11:51**
